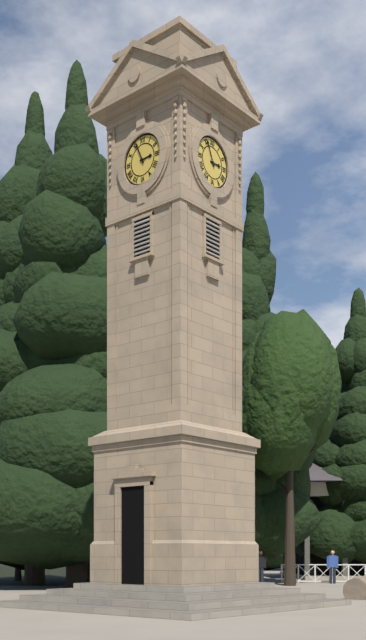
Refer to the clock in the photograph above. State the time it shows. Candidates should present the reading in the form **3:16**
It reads **2:56**
